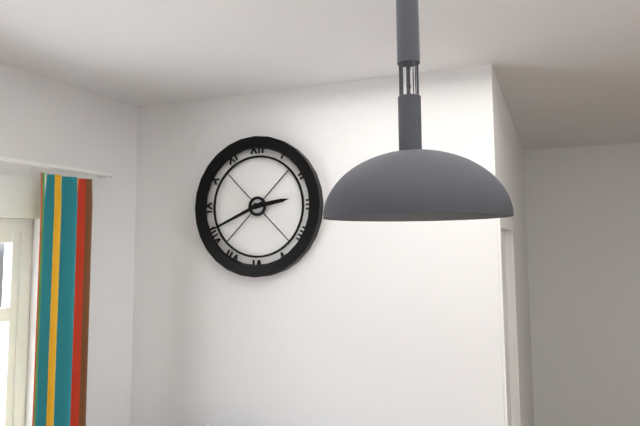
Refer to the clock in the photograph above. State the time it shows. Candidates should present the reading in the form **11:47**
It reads **2:41**
